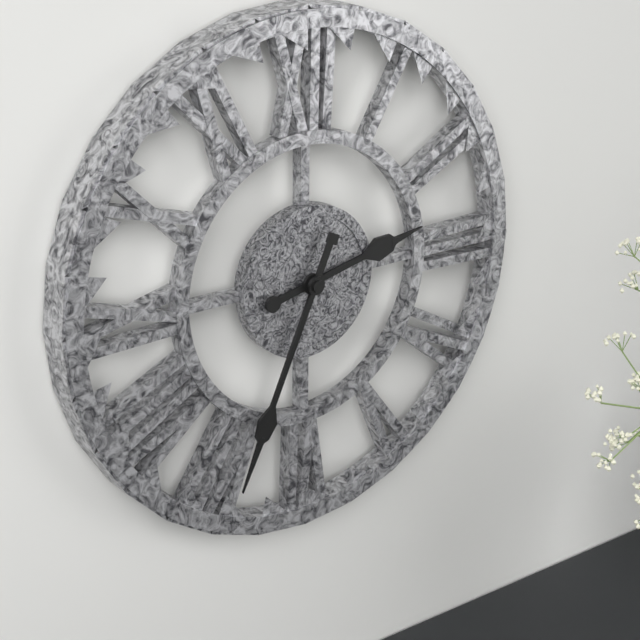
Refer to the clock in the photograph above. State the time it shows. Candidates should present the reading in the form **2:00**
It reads **2:34**
